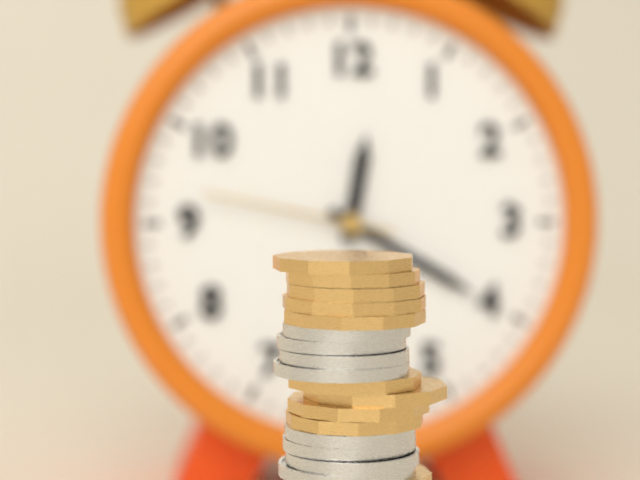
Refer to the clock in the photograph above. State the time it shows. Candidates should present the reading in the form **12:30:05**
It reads **12:20:47**
